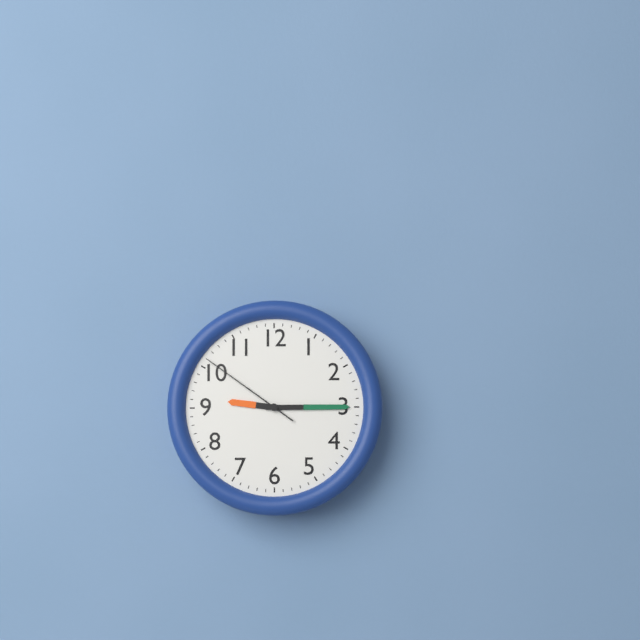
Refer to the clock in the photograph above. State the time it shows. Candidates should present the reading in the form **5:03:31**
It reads **9:15:51**
